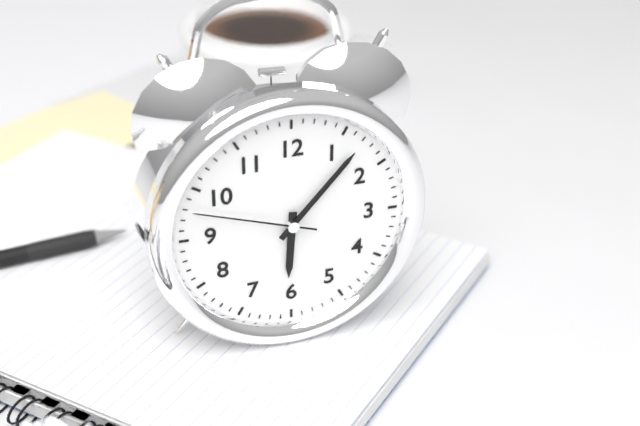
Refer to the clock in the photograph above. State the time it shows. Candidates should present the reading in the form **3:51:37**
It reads **6:07:48**
